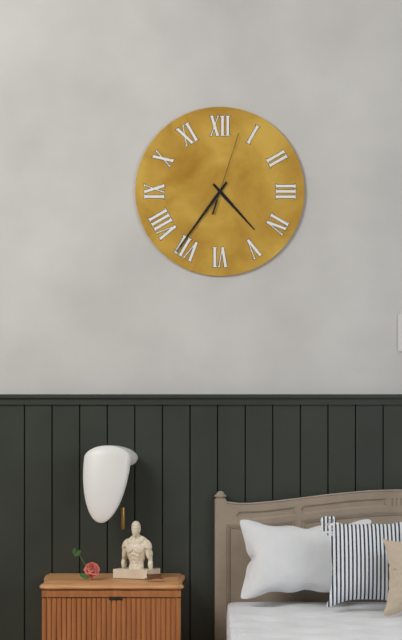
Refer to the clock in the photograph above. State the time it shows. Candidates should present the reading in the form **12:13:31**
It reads **4:36:03**
